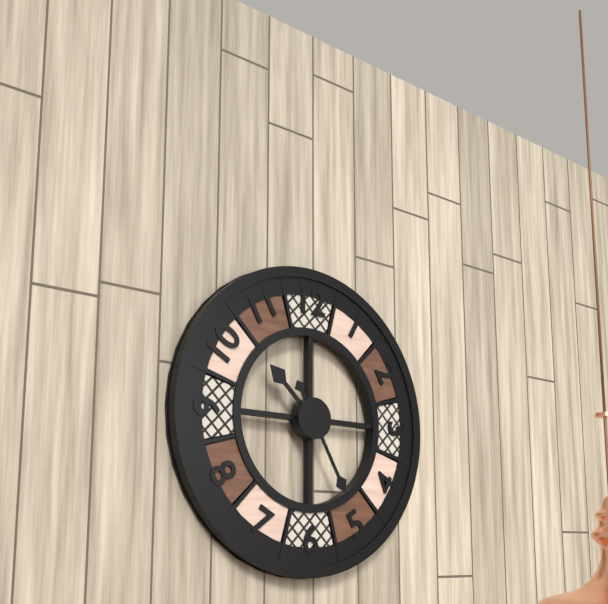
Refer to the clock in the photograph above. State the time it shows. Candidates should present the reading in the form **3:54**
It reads **10:25**
